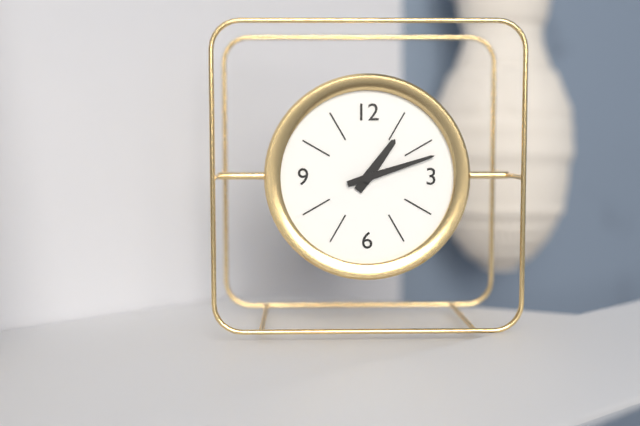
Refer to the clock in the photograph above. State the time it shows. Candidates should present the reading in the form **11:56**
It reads **1:12**
